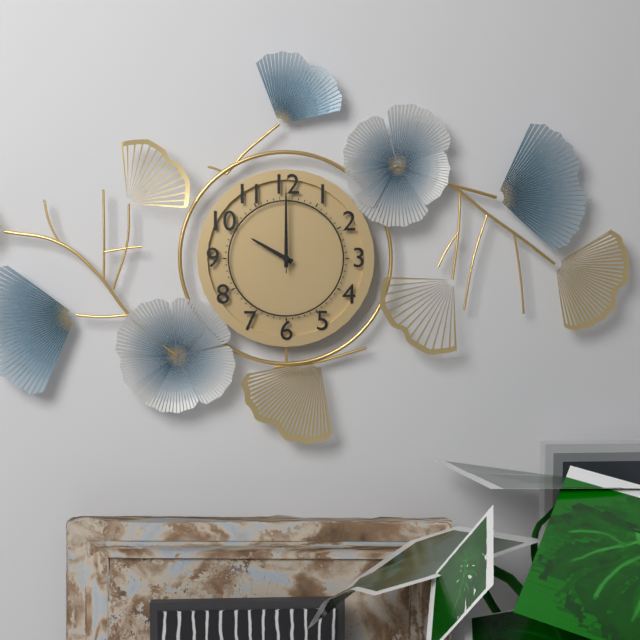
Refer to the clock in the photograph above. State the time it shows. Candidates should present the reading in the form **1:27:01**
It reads **10:00:00**
